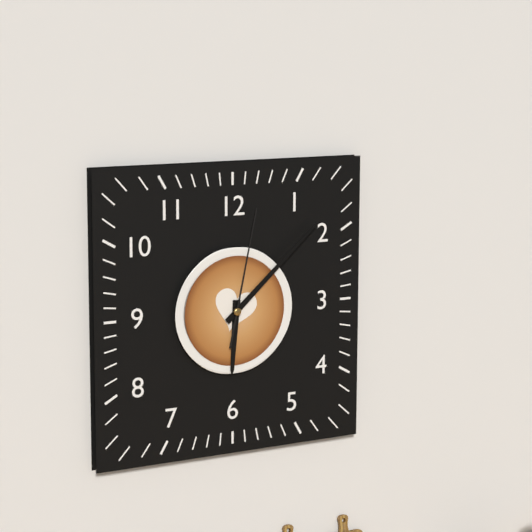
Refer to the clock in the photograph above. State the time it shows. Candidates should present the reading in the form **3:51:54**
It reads **6:08:02**
